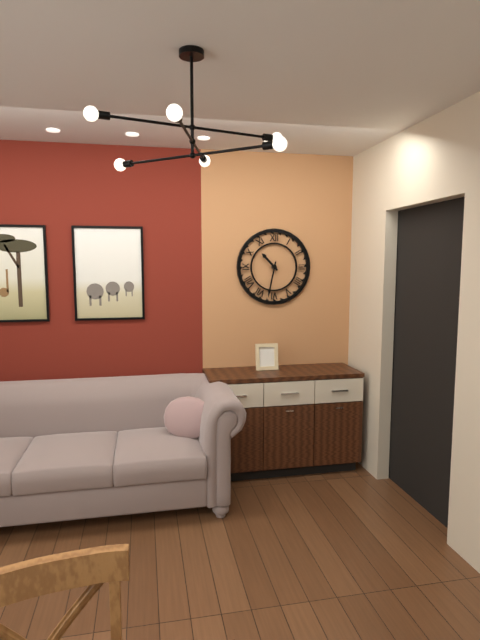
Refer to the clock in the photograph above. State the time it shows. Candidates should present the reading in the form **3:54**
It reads **10:32**
